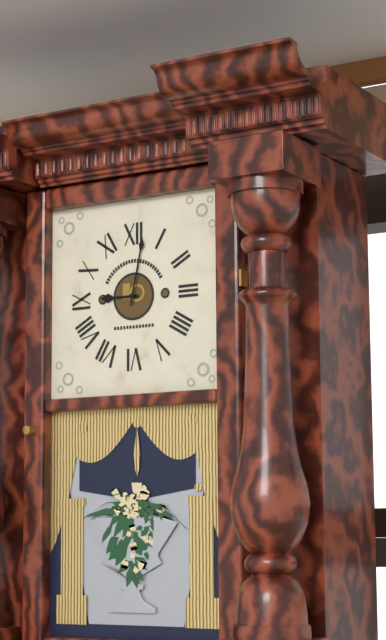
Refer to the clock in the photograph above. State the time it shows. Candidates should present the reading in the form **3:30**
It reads **9:02**
